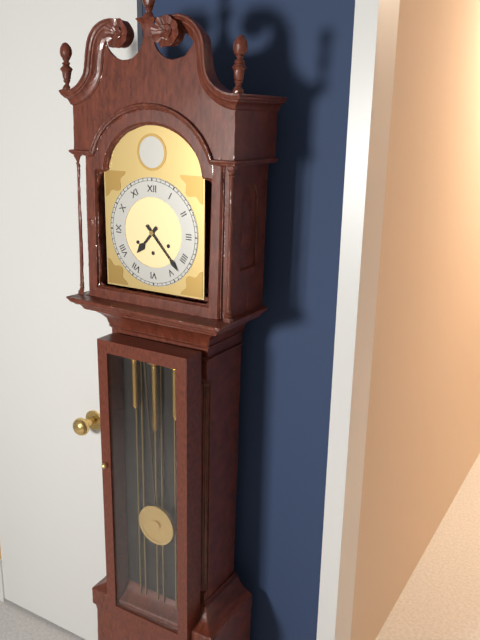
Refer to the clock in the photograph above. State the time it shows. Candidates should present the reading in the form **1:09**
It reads **7:23**
